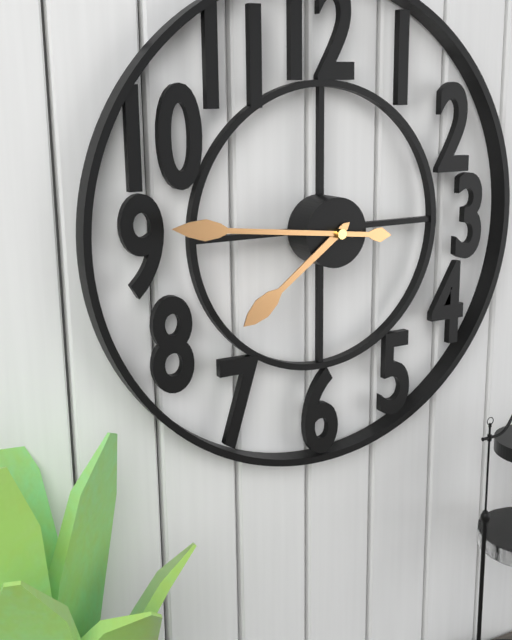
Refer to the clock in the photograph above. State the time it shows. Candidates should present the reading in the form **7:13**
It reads **7:46**
